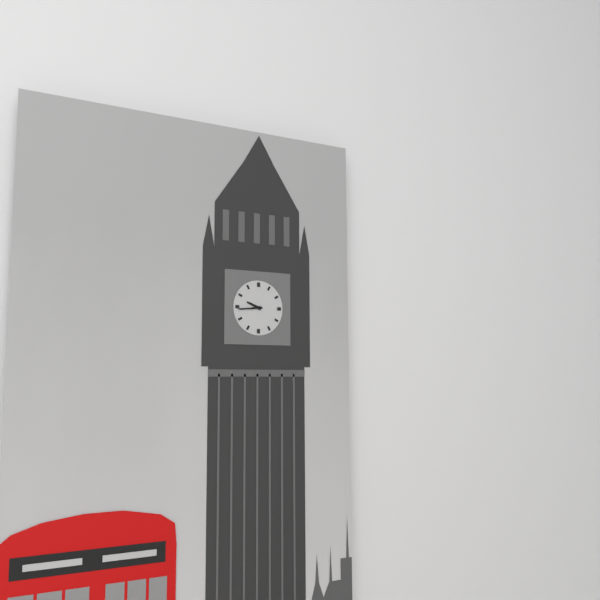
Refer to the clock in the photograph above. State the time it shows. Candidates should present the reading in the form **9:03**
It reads **9:44**
